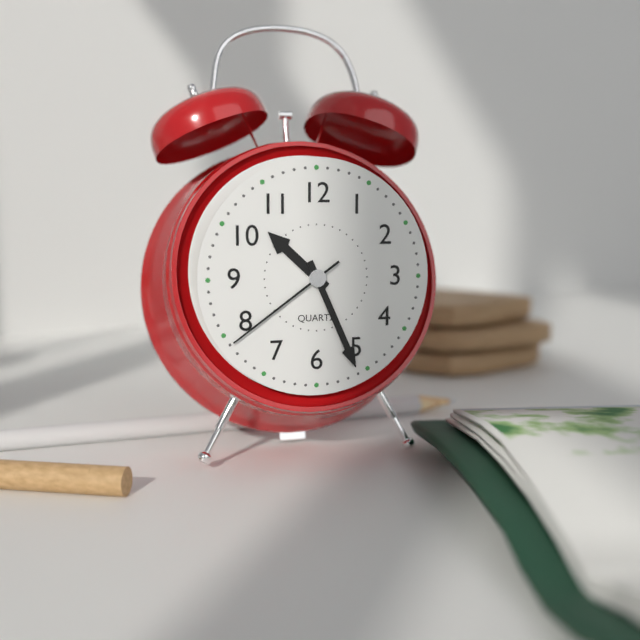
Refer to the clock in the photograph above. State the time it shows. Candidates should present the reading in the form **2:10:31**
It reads **10:26:39**
